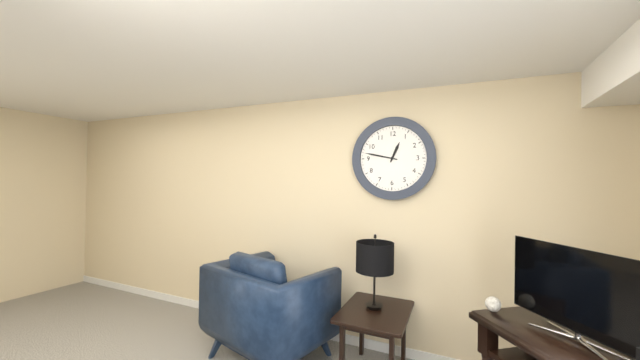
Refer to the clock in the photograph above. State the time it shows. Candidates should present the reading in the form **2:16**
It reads **12:47**
